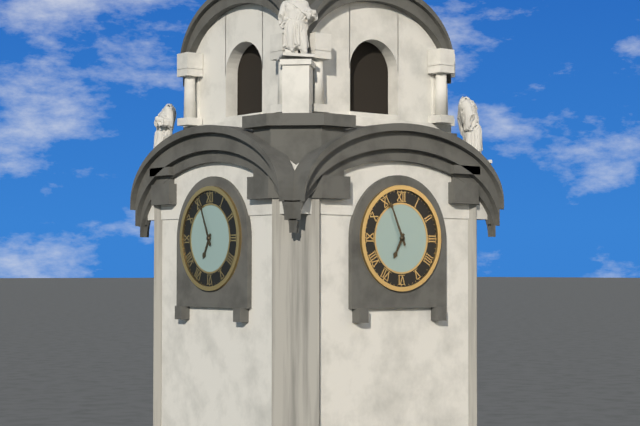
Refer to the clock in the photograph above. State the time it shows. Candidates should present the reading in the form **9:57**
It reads **6:56**
